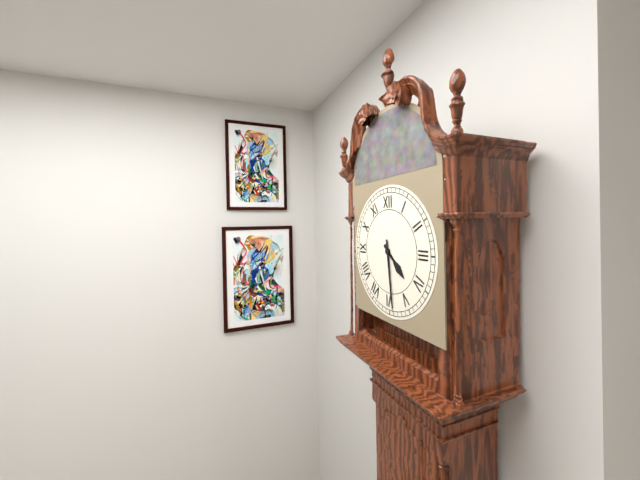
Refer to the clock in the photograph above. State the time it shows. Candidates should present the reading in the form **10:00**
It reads **4:29**
